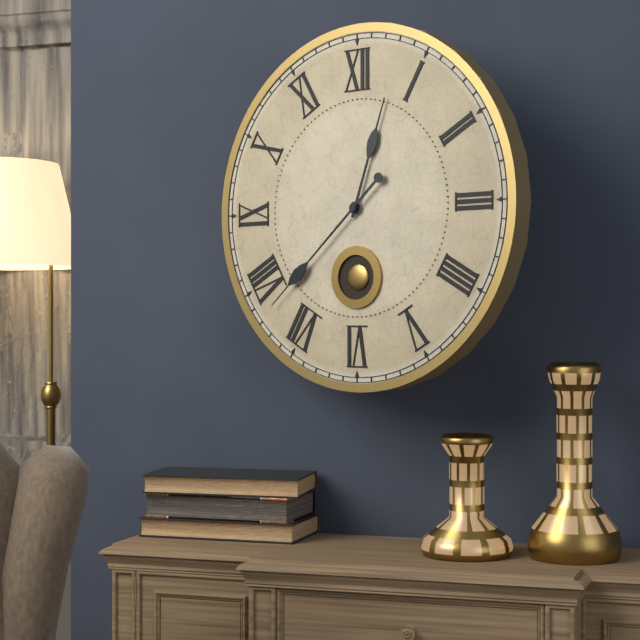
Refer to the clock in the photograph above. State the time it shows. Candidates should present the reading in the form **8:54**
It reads **12:38**
